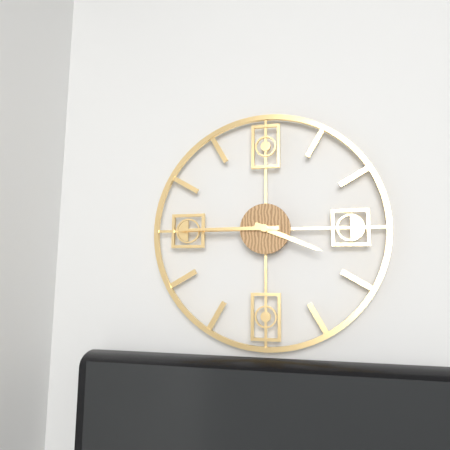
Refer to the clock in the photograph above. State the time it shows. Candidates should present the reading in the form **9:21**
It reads **3:45**
